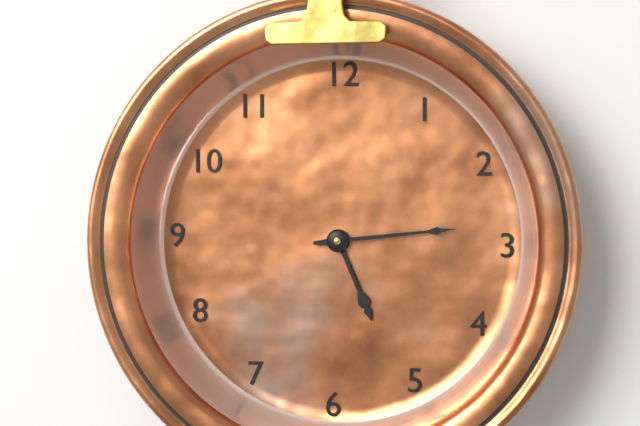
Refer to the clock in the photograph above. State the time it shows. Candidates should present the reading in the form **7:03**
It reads **5:14**
